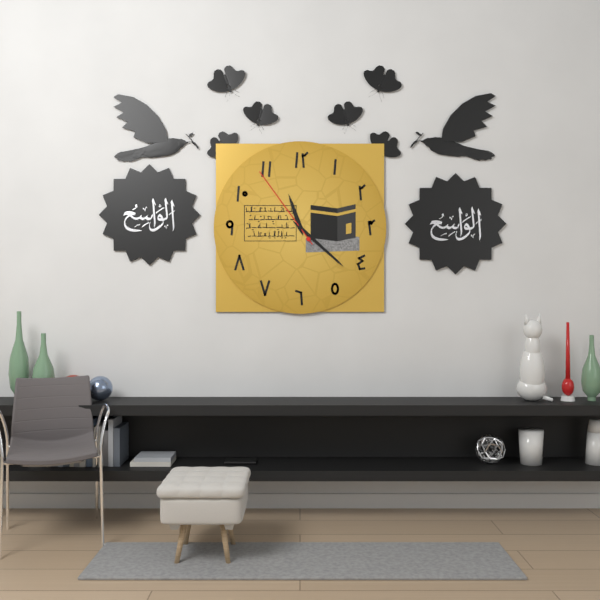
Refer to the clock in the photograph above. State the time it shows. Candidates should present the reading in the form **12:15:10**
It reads **11:22:54**
